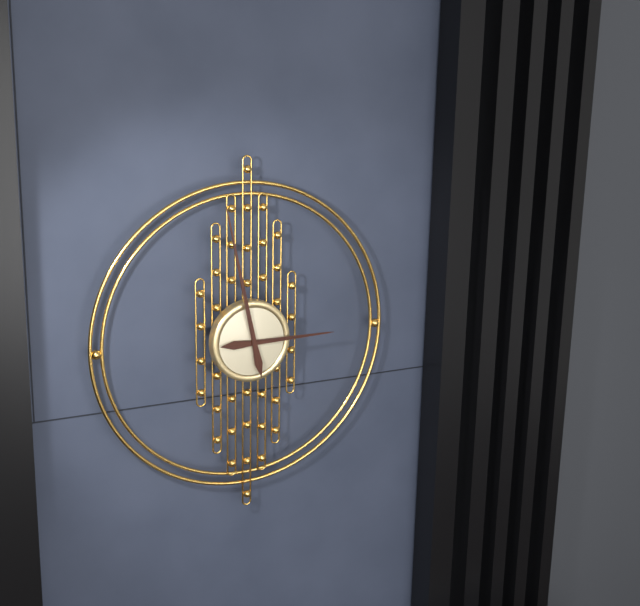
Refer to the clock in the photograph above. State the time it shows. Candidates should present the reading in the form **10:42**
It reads **2:58**
